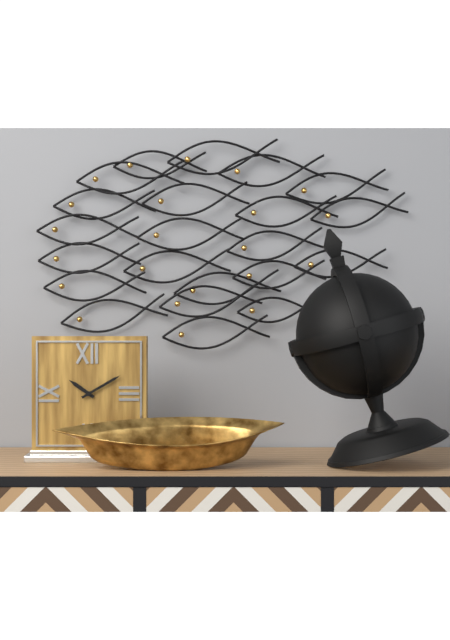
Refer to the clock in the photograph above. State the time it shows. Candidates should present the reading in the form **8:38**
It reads **10:10**
